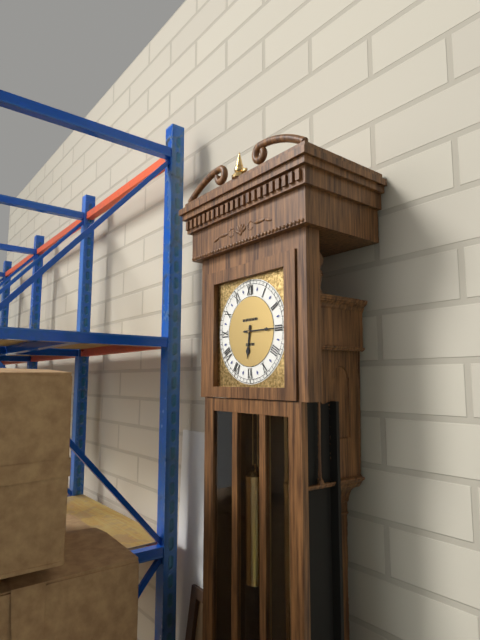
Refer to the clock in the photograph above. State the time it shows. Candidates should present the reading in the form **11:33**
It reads **6:15**
